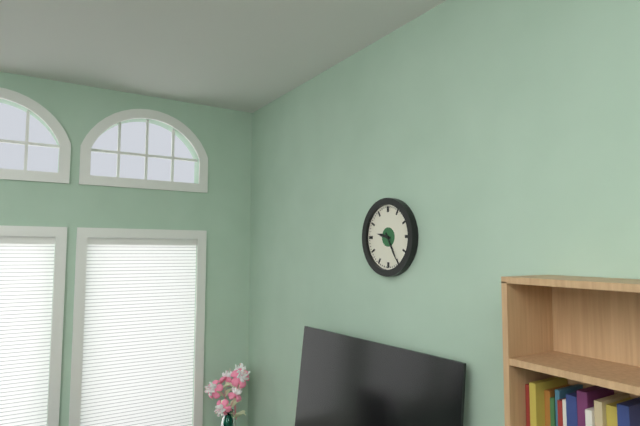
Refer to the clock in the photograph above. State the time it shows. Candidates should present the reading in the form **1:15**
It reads **9:25**
